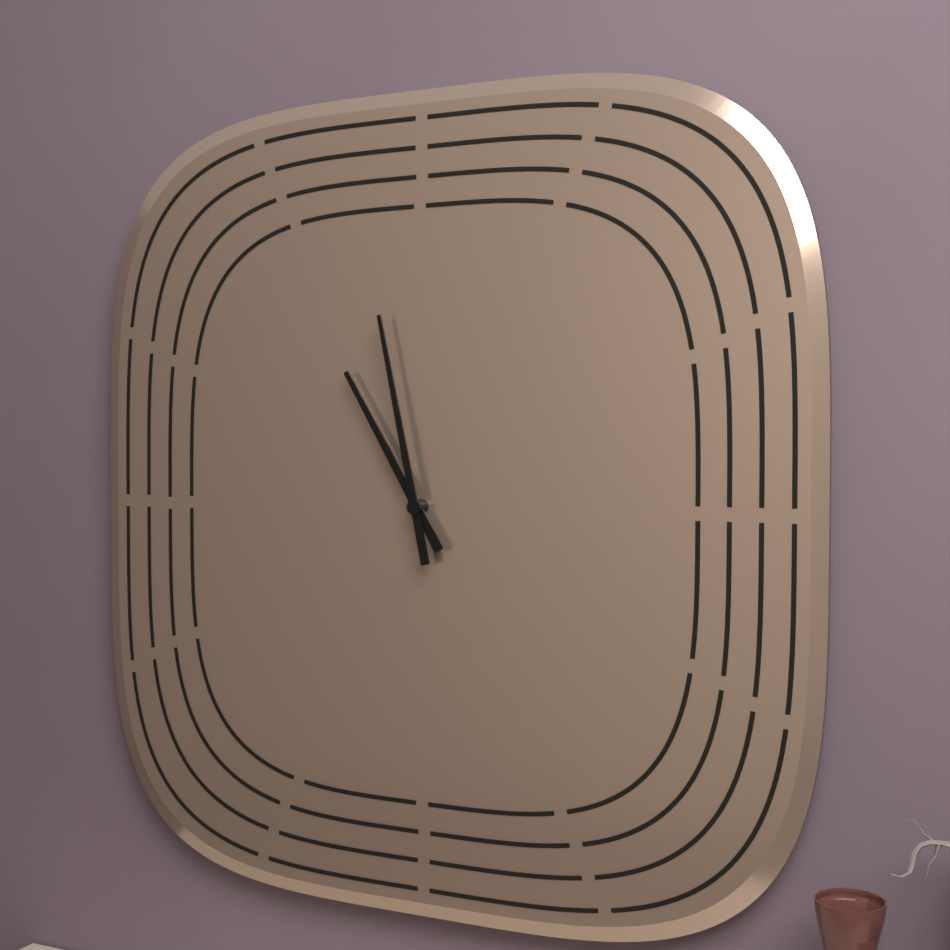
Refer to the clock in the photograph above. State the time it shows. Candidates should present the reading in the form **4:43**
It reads **10:58**
